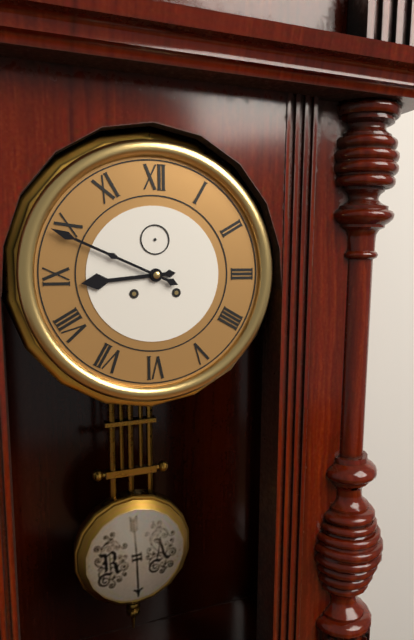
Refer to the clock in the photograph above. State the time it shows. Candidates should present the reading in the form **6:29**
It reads **8:49**
